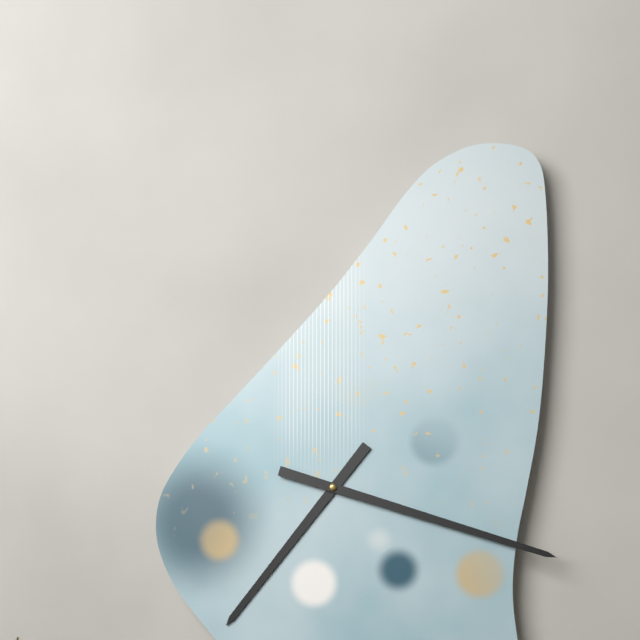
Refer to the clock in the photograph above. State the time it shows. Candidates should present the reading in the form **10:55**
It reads **7:18**
